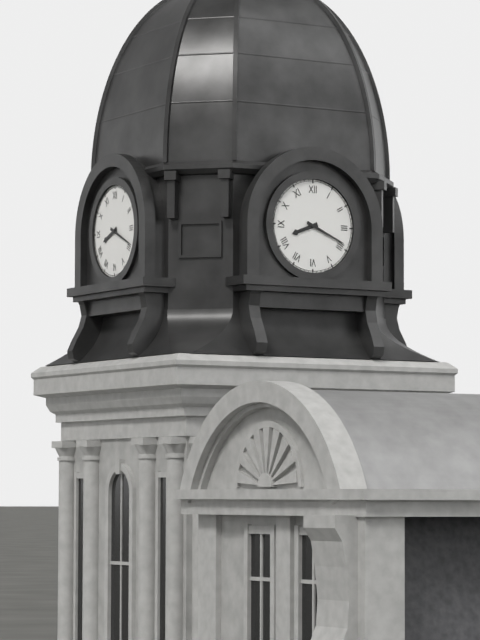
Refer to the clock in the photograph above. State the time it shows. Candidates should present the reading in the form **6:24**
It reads **8:19**
